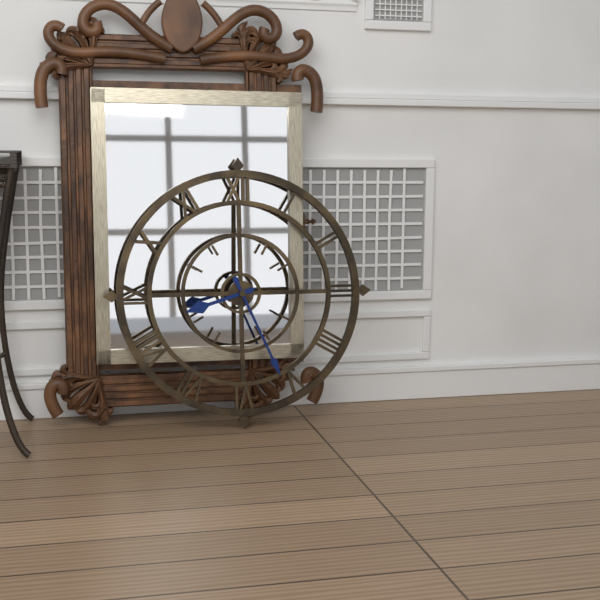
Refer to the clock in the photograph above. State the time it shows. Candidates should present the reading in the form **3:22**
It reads **8:26**
